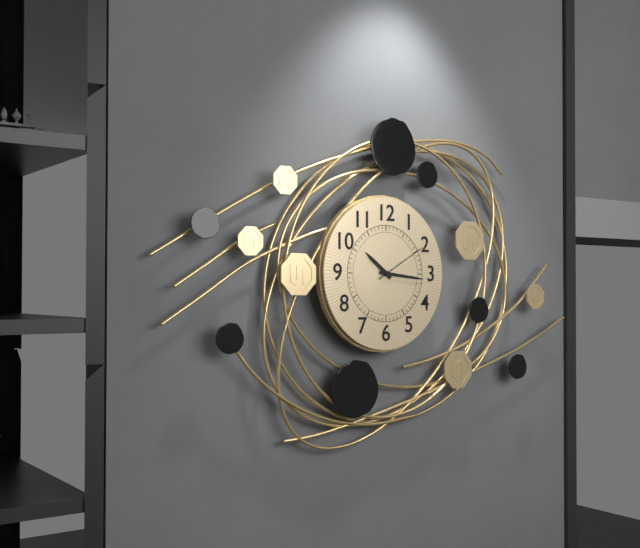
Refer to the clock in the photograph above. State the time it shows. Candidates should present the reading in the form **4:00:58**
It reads **10:16:10**
